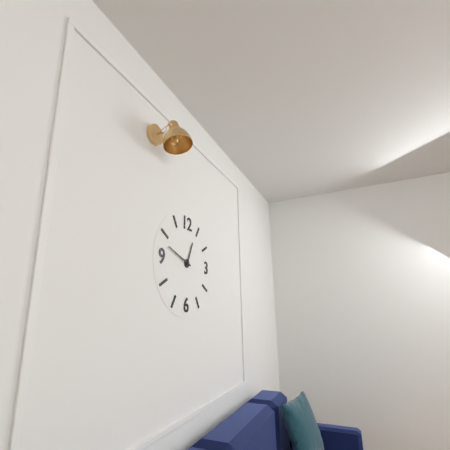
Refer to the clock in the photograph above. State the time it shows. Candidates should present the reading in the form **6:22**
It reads **12:48**
